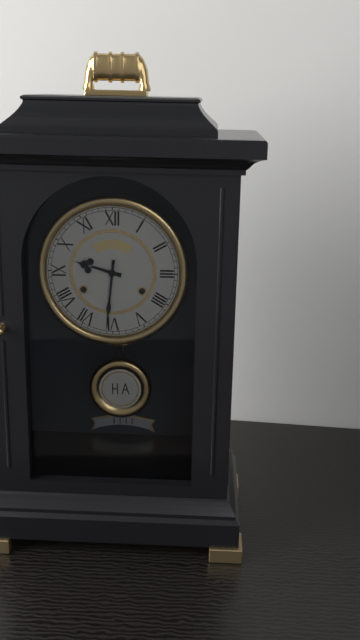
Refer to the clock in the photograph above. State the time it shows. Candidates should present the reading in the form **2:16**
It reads **9:31**
